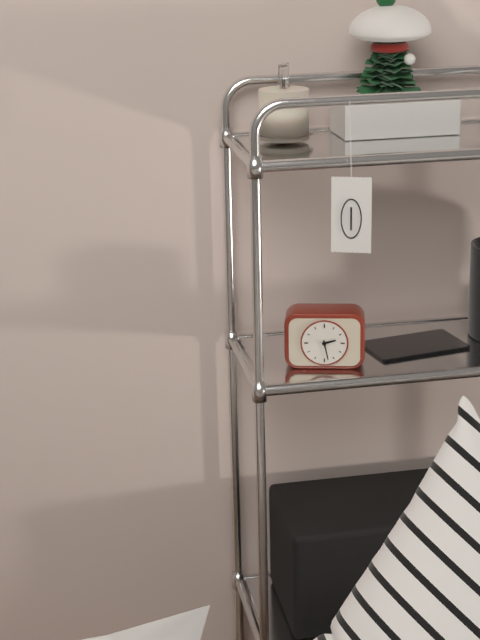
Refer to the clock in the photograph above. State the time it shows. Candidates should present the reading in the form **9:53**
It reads **2:28**
